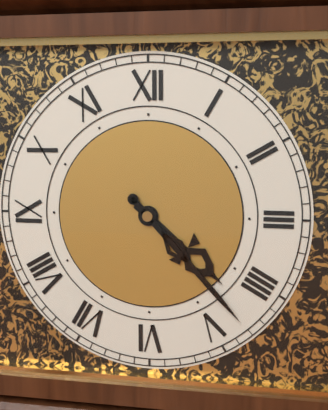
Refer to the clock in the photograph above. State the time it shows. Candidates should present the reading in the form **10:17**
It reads **4:23**
